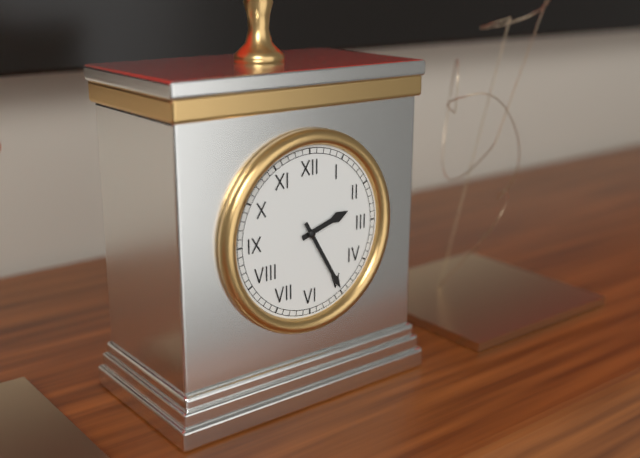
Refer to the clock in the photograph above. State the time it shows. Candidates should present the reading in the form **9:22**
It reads **2:25**
